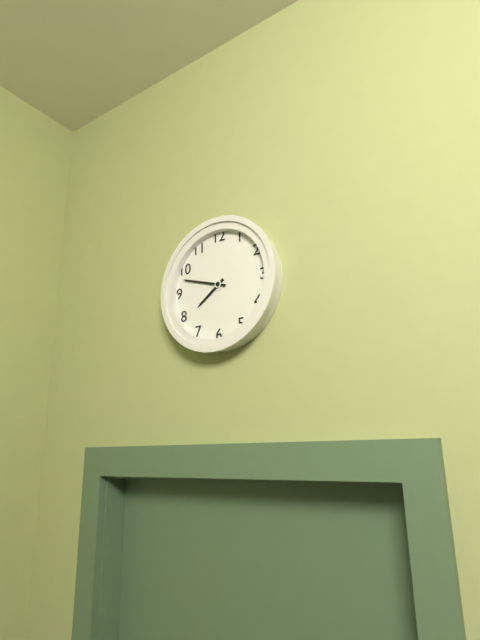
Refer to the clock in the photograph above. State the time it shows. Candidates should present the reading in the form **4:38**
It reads **7:48**
